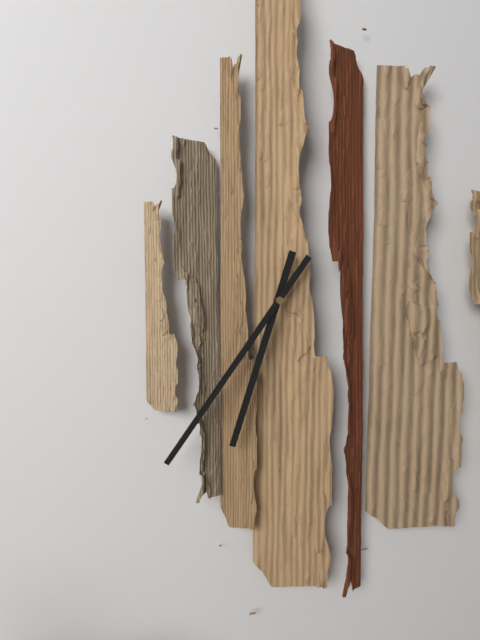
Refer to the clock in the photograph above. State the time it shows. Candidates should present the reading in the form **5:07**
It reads **6:36**
